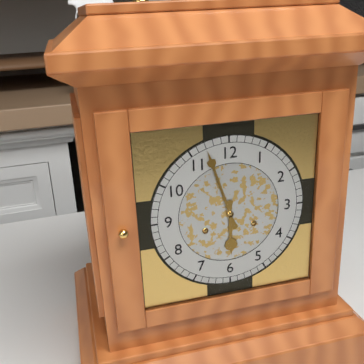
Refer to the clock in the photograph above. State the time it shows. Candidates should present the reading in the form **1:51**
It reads **5:57**
